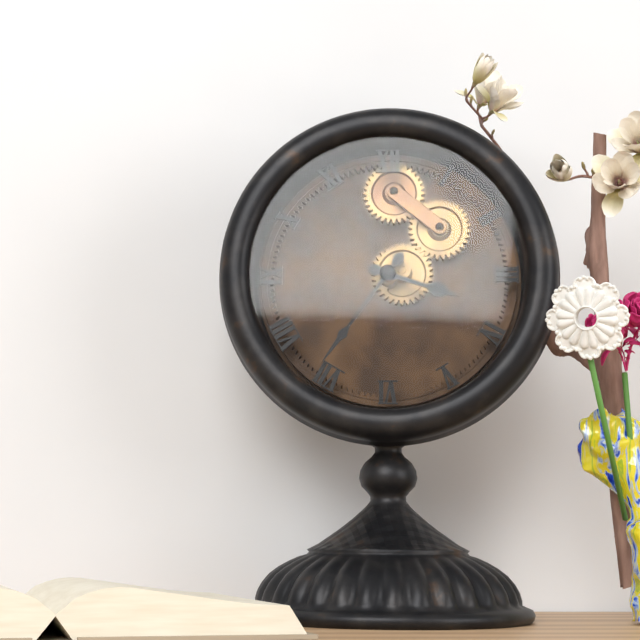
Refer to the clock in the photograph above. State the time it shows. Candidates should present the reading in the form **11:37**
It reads **3:36**
